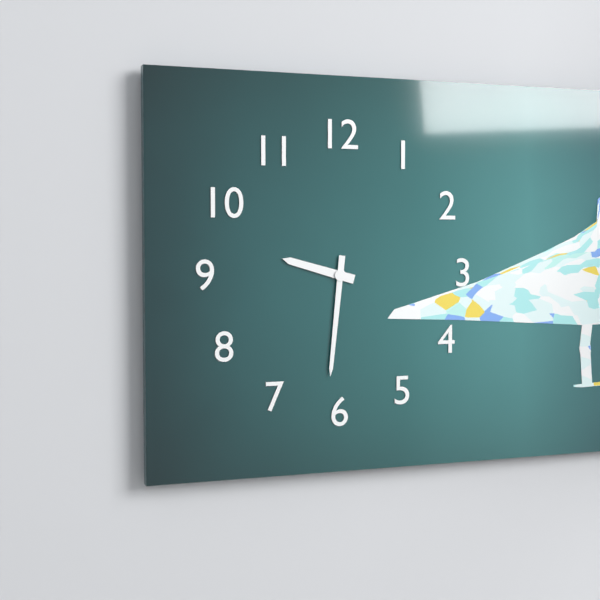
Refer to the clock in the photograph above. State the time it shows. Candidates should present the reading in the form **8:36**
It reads **9:31**
